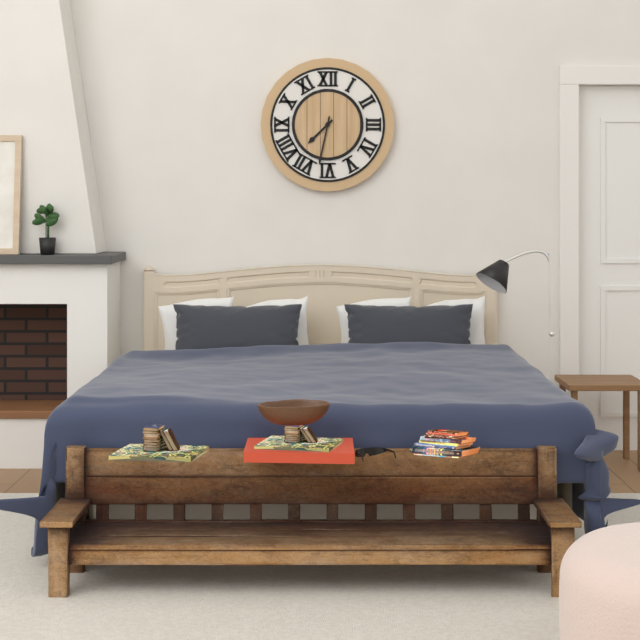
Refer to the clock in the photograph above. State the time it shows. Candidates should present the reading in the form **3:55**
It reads **7:32**
